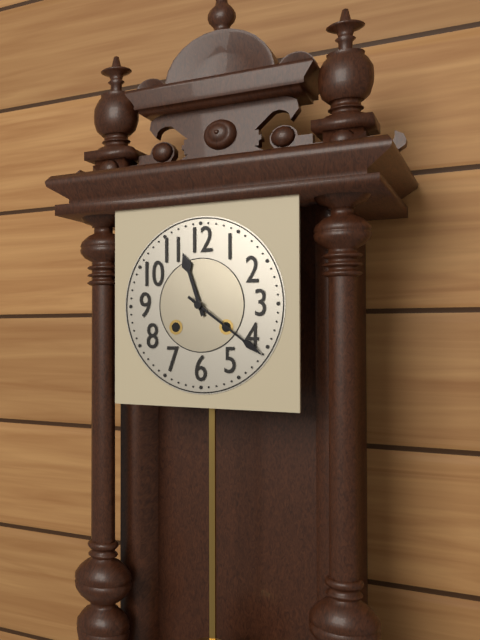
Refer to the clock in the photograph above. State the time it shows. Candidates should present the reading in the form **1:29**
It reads **11:21**
